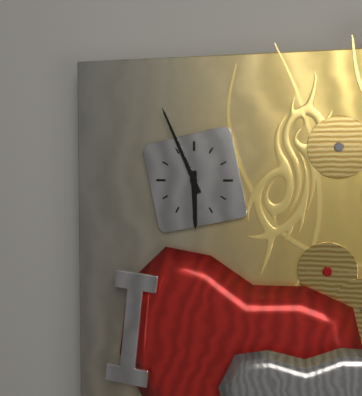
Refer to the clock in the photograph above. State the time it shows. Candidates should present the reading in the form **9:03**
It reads **5:56**
